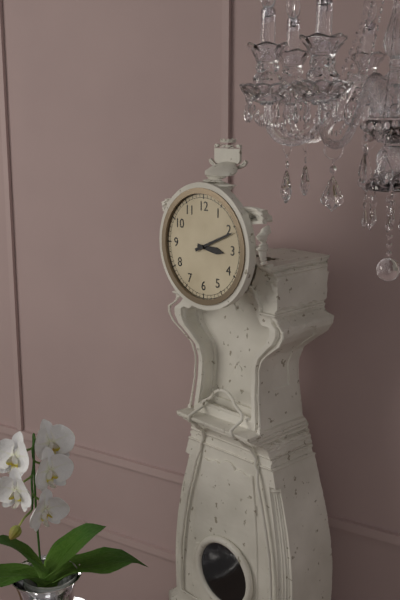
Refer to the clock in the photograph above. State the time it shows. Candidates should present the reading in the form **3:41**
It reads **3:11**
